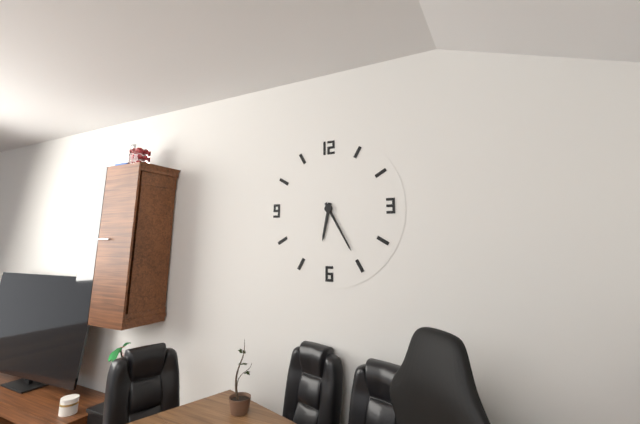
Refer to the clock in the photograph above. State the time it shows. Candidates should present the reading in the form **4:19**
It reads **6:25**
